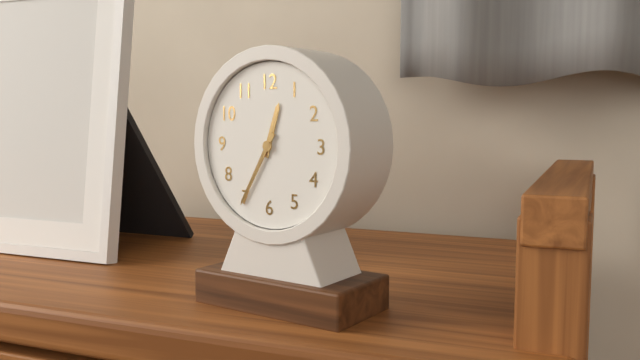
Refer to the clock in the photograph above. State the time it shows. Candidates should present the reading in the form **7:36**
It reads **12:35**
